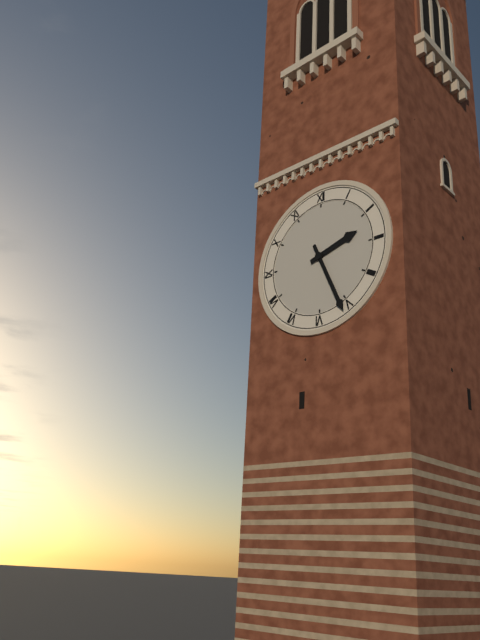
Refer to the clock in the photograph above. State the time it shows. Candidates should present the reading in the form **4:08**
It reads **2:26**
